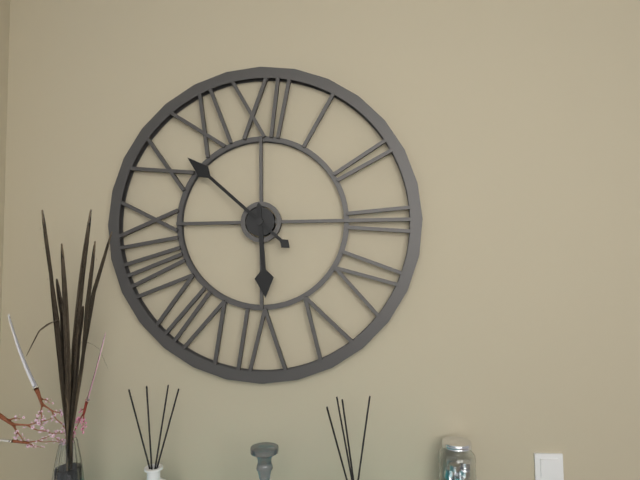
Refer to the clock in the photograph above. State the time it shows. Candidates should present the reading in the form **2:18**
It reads **5:52**
